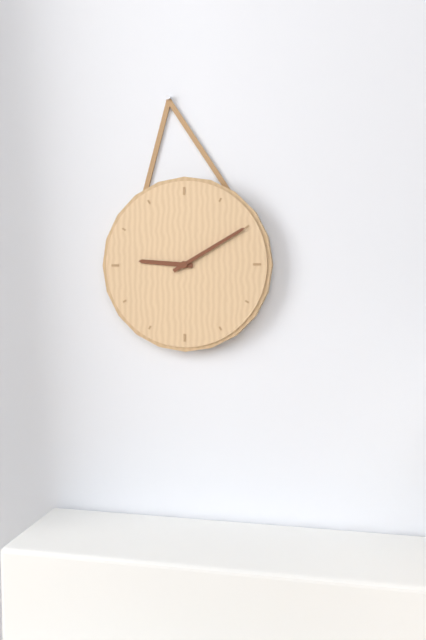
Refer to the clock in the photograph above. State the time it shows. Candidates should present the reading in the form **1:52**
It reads **9:10**
